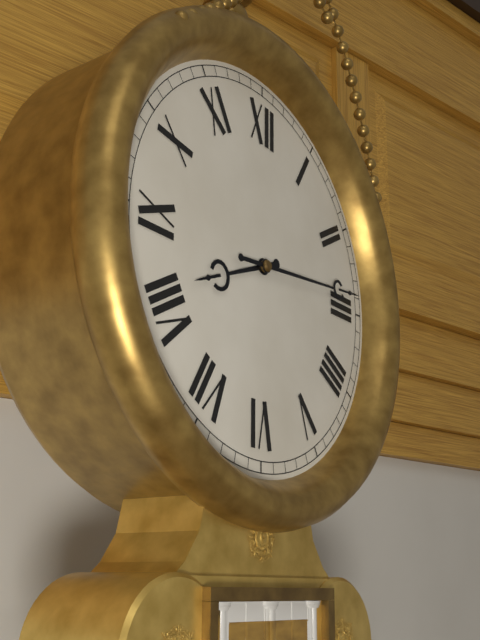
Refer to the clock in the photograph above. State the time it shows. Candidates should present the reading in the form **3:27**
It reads **8:14**
